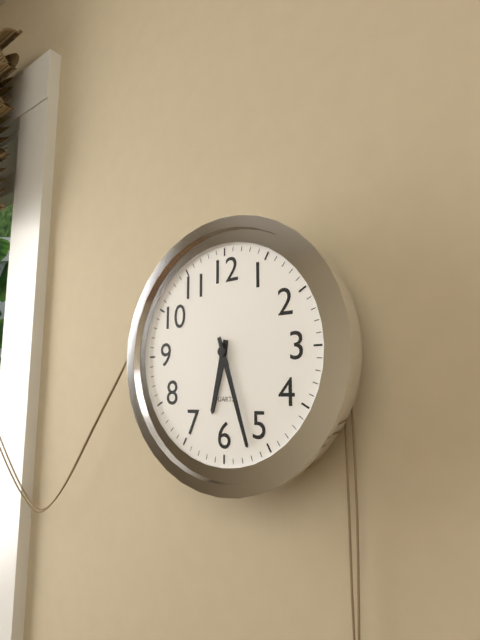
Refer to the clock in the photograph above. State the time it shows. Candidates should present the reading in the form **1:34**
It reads **6:27**
